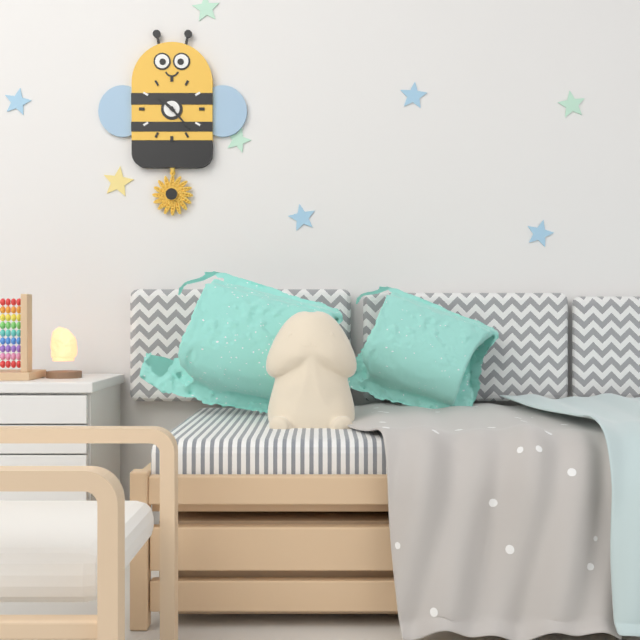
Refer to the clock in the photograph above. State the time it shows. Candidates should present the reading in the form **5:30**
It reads **10:23**
